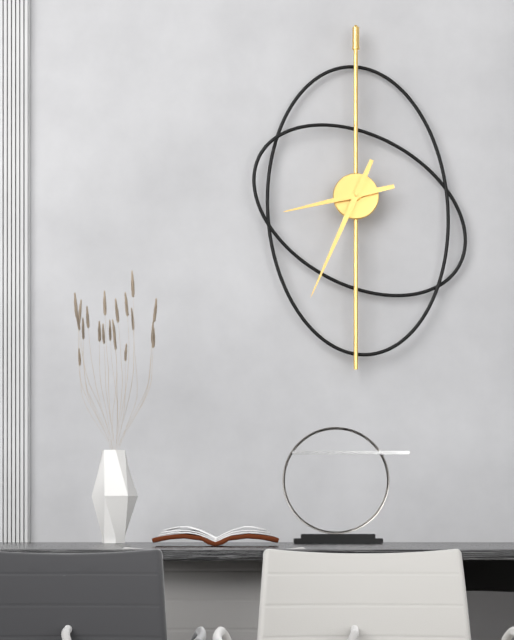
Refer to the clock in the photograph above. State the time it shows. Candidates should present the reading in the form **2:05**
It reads **8:34**
